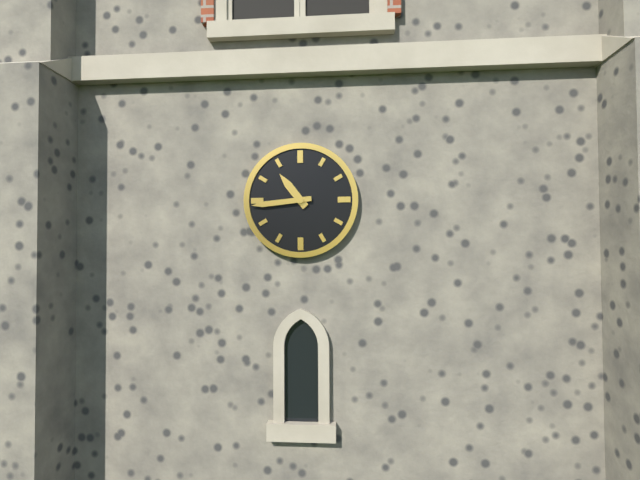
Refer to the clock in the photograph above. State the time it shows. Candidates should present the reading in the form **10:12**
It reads **10:44**
